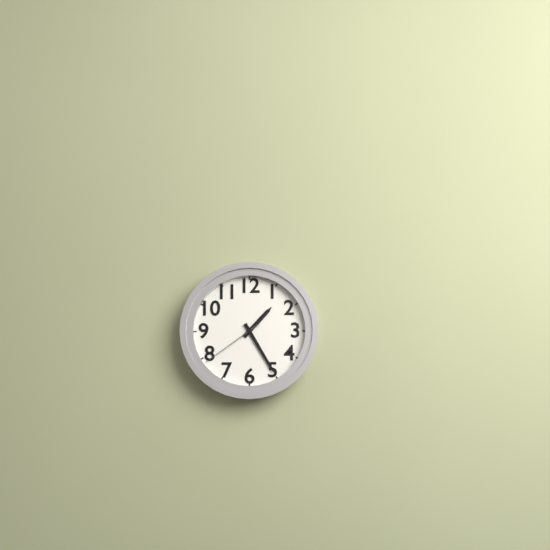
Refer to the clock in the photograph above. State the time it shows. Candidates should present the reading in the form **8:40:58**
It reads **1:25:39**
